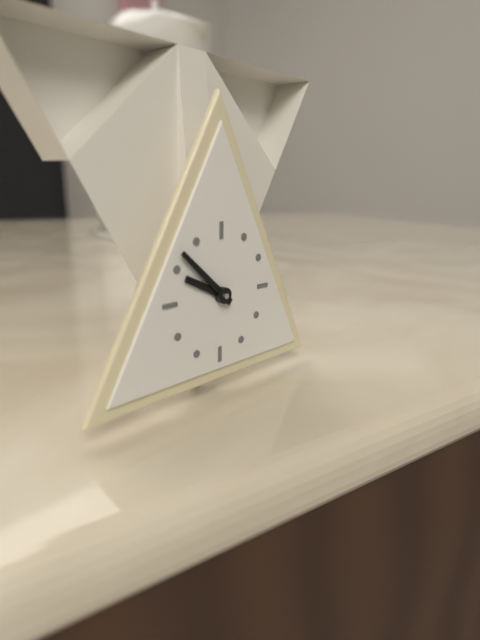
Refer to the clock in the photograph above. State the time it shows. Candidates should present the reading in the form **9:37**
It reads **9:52**
